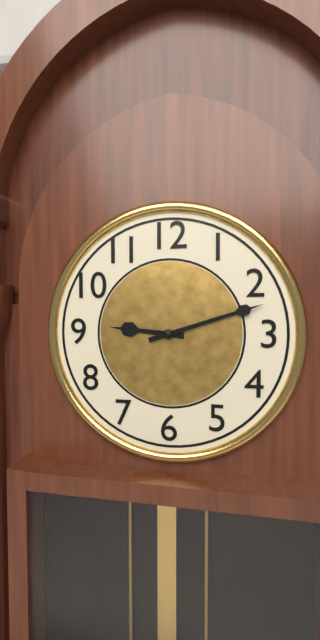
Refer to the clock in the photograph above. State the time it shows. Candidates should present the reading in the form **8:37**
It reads **9:12**
